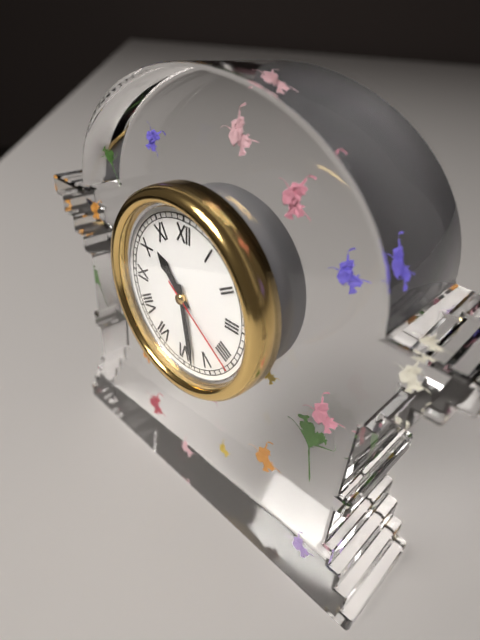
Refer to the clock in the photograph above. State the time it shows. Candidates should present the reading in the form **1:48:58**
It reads **10:28:21**
